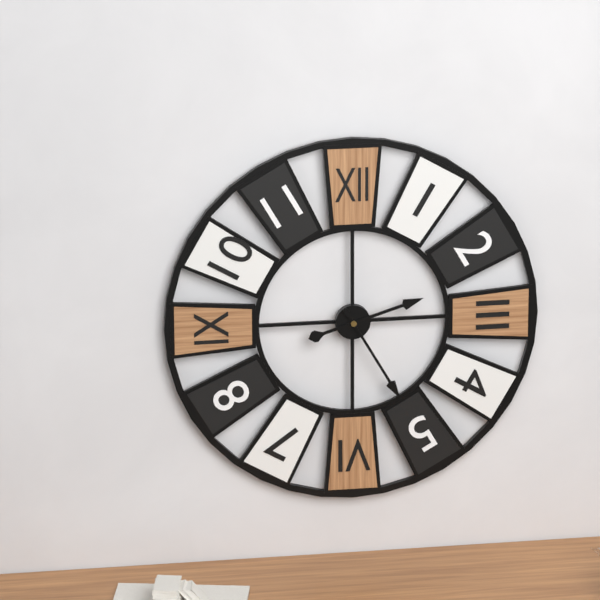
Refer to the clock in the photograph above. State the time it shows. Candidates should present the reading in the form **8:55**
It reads **2:25**
